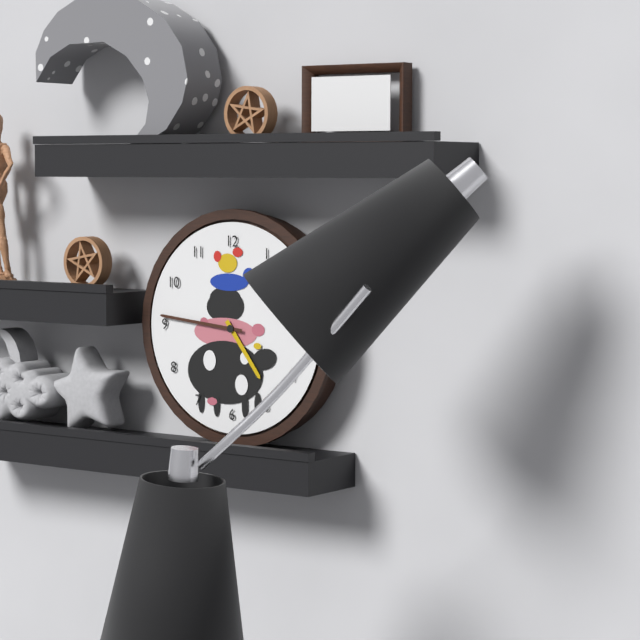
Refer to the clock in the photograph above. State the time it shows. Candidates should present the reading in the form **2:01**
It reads **4:46**
